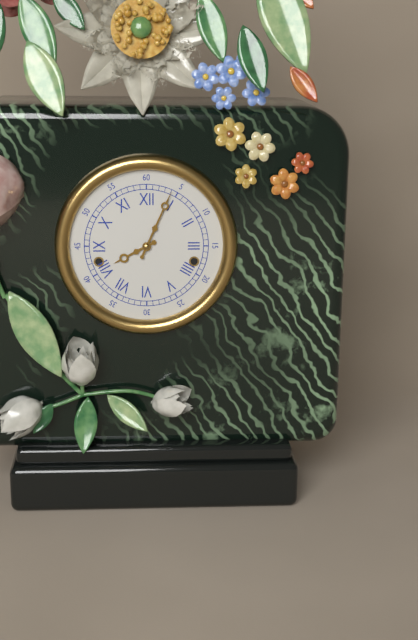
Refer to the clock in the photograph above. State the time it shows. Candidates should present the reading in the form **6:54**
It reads **8:04**
